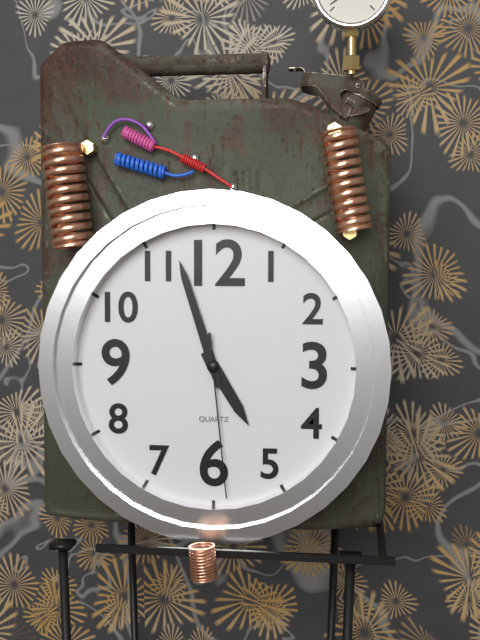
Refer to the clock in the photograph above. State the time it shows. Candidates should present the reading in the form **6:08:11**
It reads **4:57:29**
